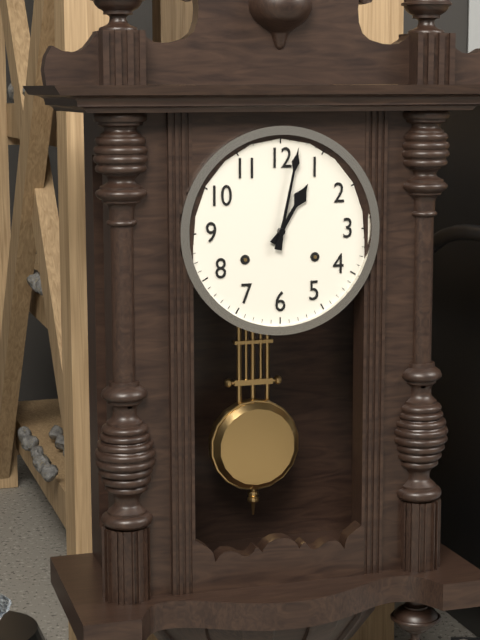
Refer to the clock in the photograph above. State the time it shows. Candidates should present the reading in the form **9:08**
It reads **1:02**
